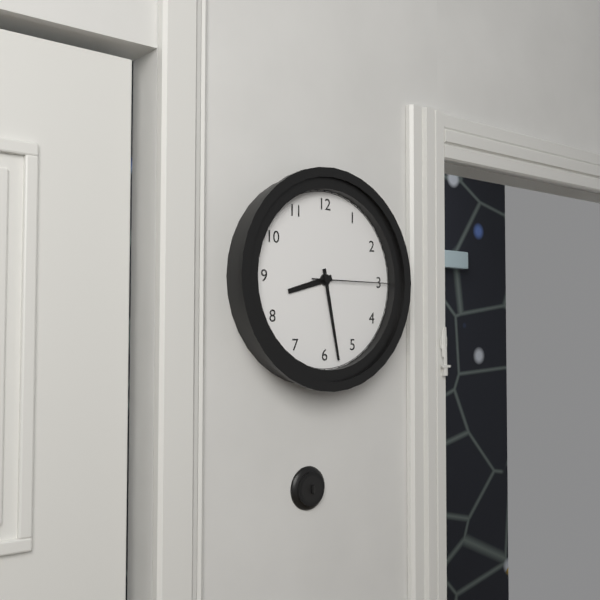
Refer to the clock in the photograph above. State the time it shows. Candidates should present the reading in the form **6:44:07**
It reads **8:28:15**
